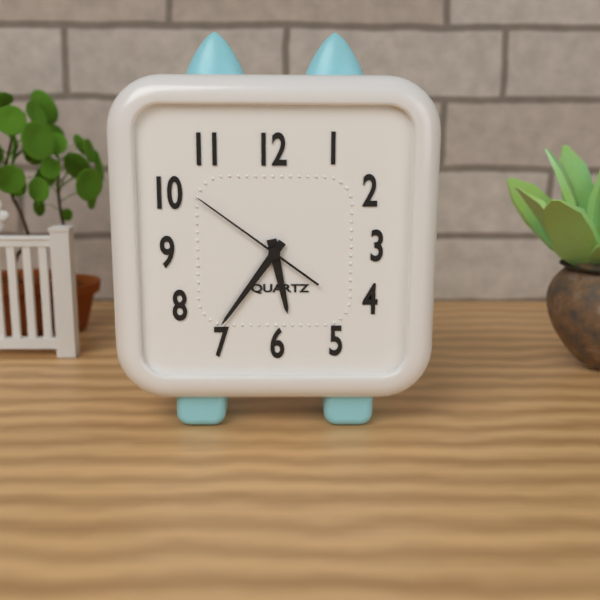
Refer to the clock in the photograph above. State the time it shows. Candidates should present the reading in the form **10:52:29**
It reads **5:36:51**
